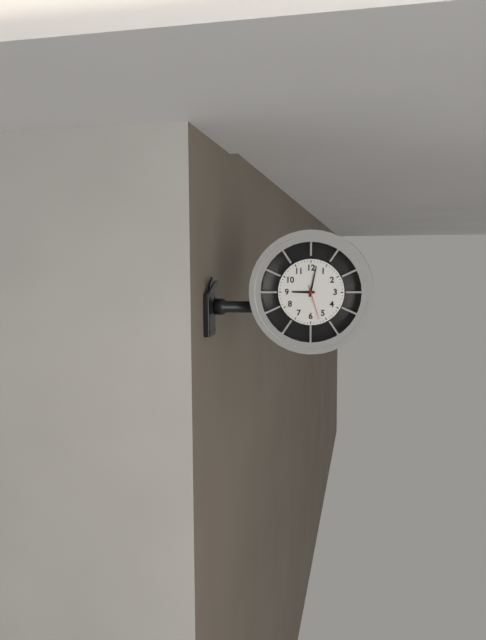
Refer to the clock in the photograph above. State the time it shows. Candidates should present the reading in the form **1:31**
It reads **9:02**
